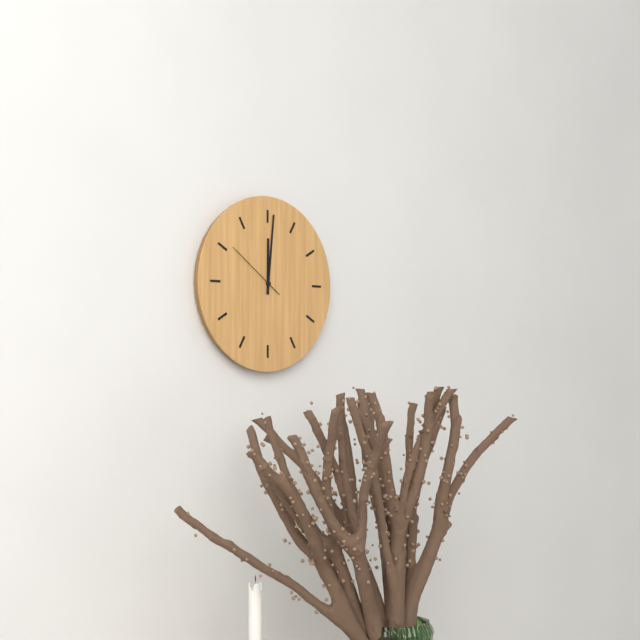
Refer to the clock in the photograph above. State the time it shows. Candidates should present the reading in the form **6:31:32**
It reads **12:01:51**
